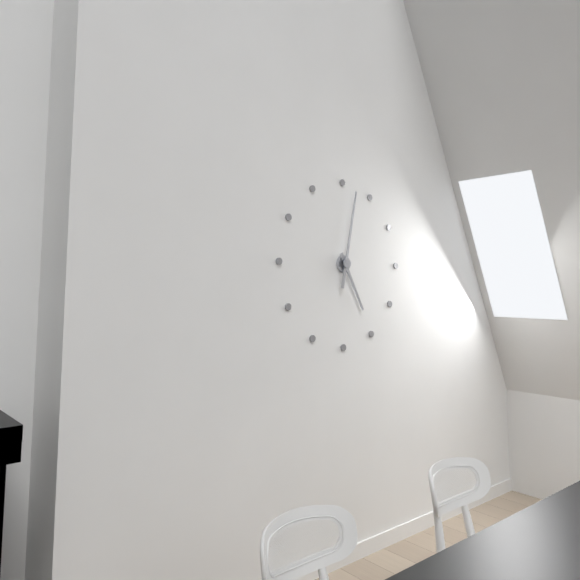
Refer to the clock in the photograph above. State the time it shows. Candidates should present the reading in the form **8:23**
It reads **5:02**
